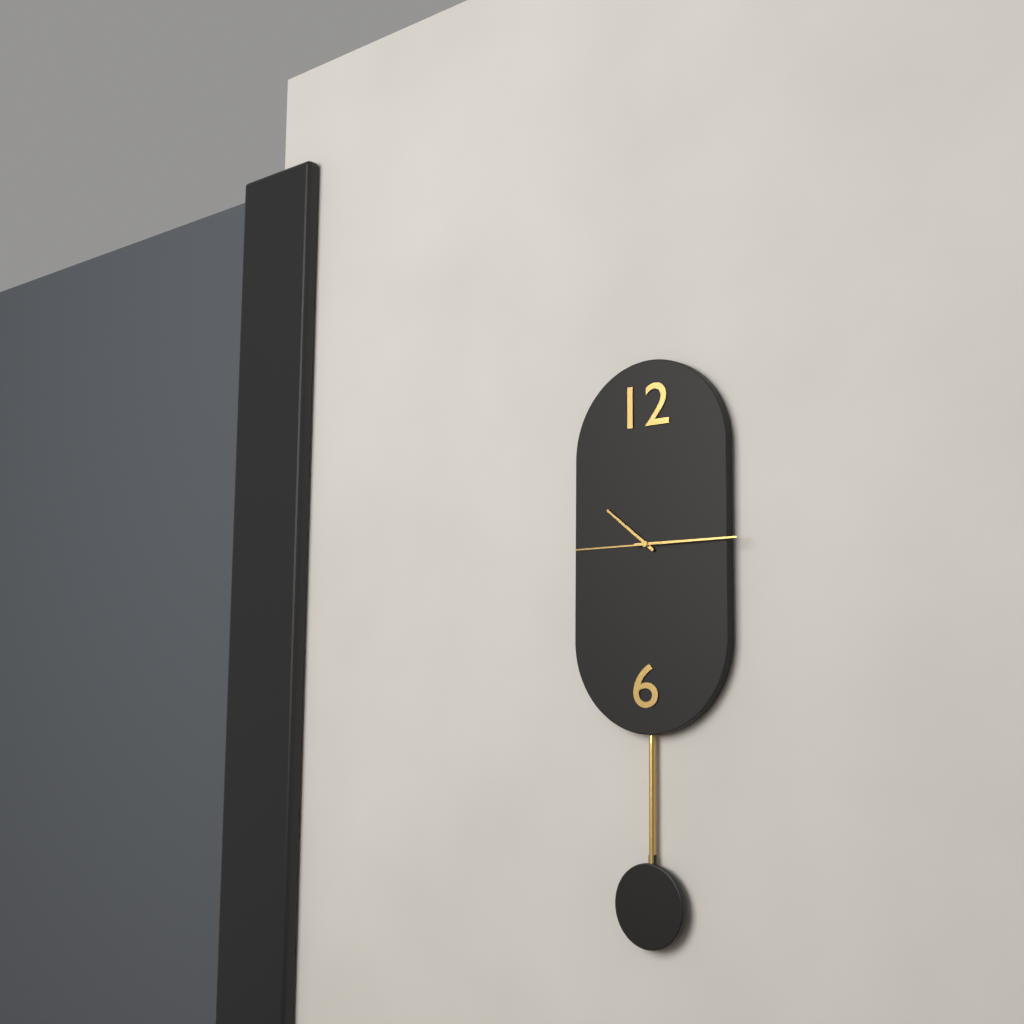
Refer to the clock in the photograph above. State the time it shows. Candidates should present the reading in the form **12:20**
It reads **10:15**
